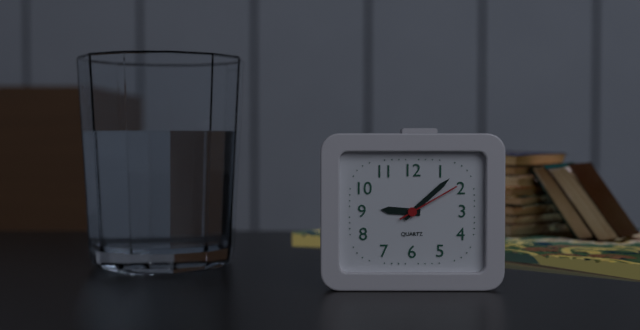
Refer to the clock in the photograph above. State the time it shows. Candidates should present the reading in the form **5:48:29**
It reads **9:08:10**
